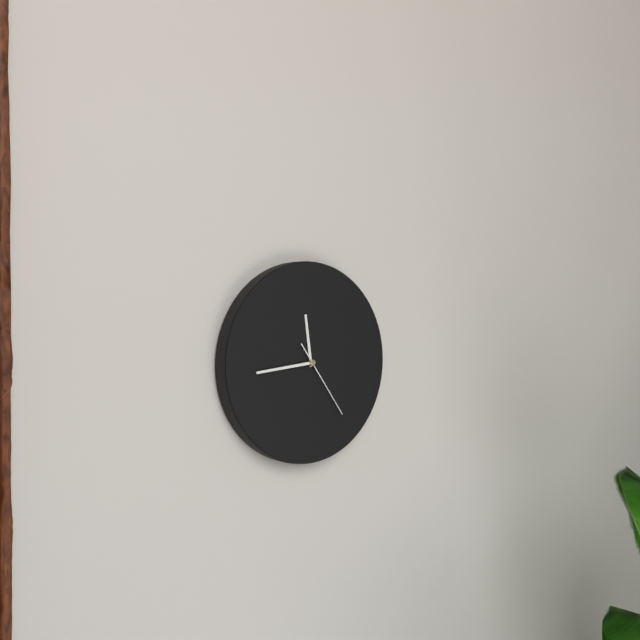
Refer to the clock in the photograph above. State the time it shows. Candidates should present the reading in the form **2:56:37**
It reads **11:44:24**
